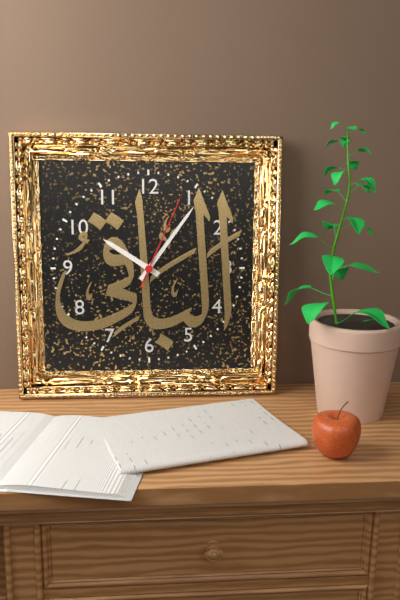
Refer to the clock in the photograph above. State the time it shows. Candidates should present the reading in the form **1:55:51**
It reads **10:06:04**
